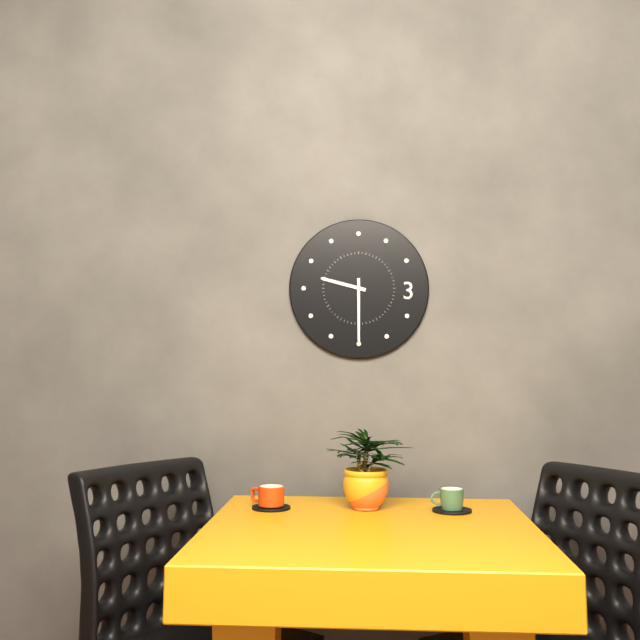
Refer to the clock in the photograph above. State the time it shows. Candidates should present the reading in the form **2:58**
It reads **9:30**
